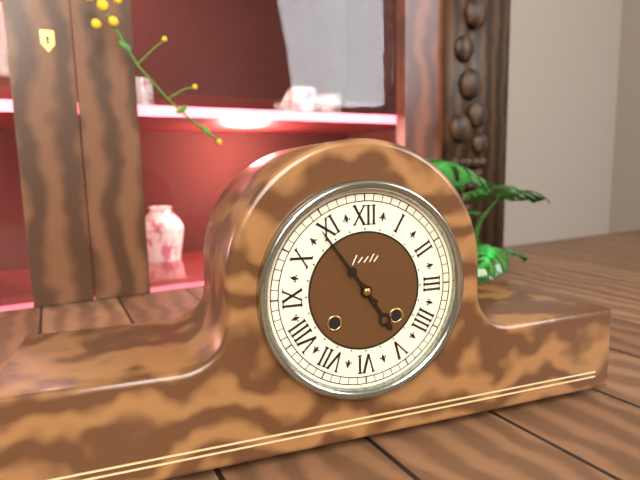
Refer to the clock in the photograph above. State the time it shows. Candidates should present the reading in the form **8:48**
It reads **4:54**
